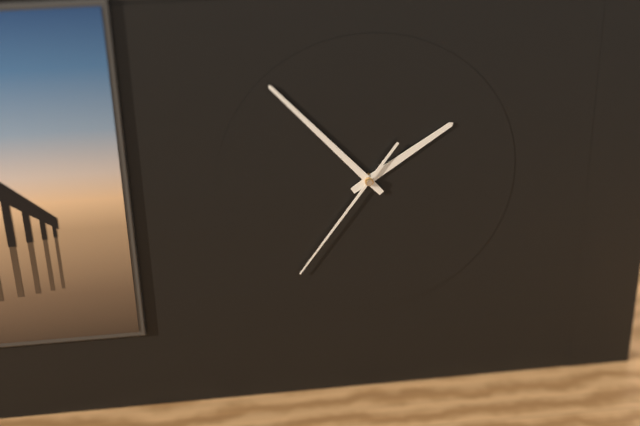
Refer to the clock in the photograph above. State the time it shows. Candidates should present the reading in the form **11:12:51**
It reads **1:53:36**
